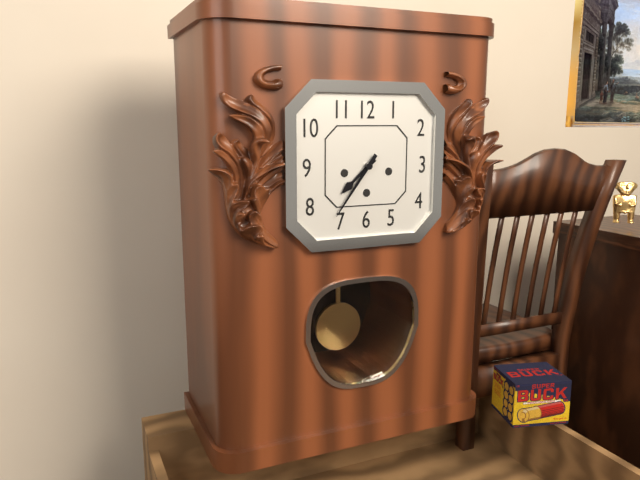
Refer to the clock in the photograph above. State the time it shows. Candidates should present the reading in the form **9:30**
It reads **7:36**
